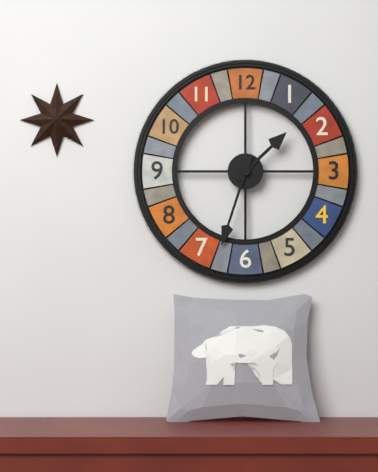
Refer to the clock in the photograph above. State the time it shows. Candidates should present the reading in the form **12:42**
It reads **1:33**
